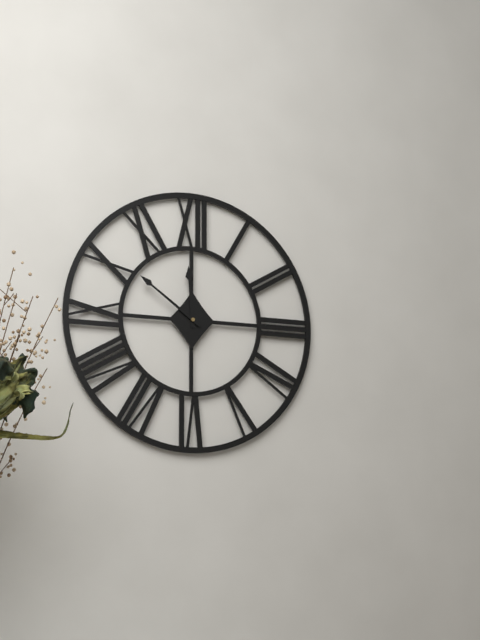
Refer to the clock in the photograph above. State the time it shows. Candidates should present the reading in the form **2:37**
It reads **11:51**
